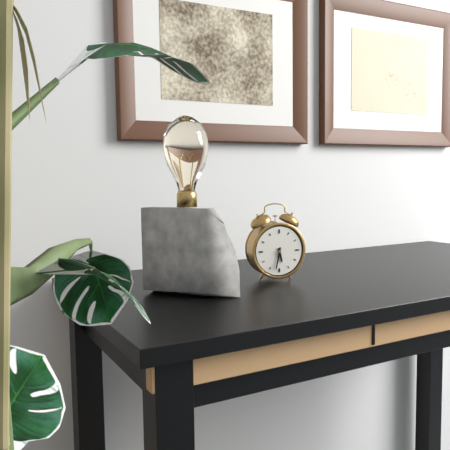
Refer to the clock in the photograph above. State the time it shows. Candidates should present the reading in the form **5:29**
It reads **5:32**
